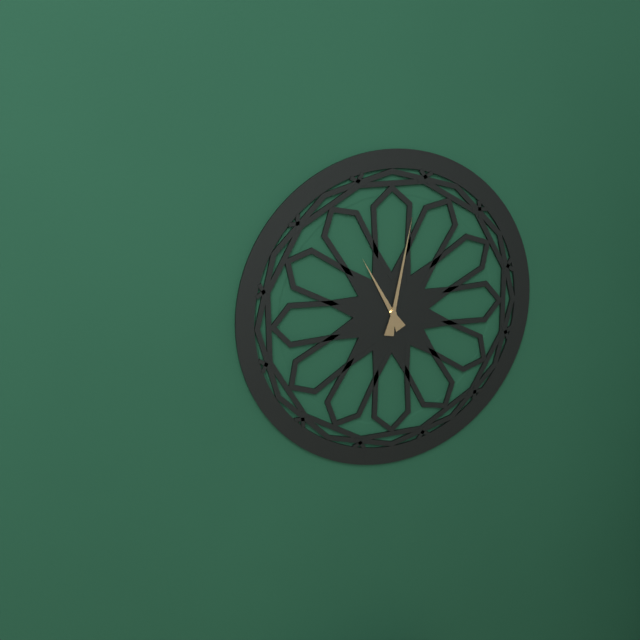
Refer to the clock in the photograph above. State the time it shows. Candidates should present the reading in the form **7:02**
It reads **11:02**
